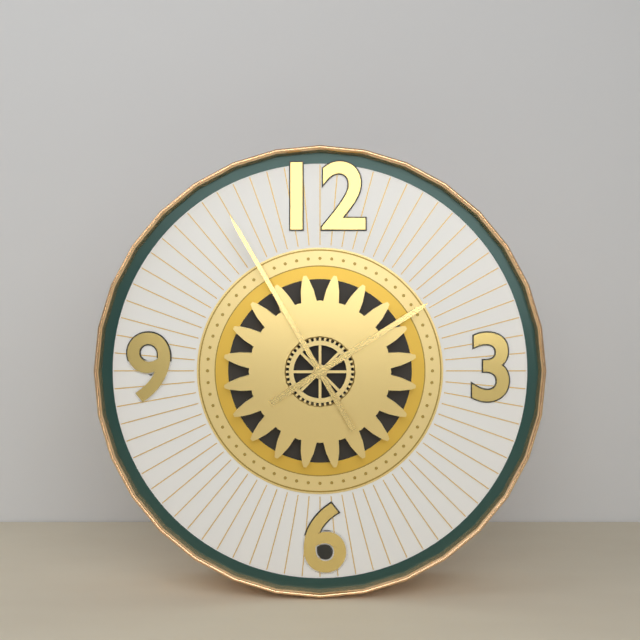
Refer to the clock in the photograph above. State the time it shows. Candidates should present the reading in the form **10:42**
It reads **1:55**
